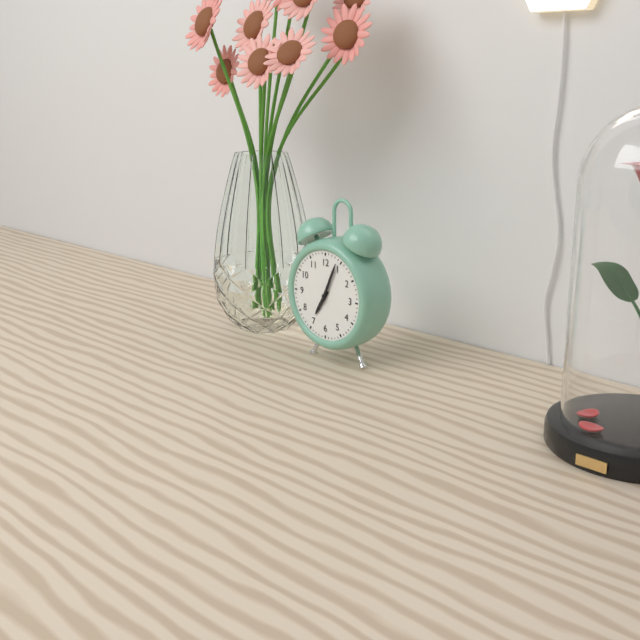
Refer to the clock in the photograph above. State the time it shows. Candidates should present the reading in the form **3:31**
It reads **7:04**
